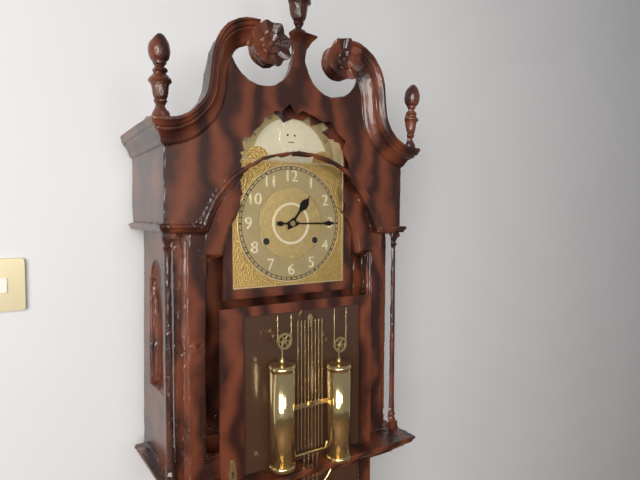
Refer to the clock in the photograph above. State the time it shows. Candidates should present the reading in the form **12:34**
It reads **1:15**
